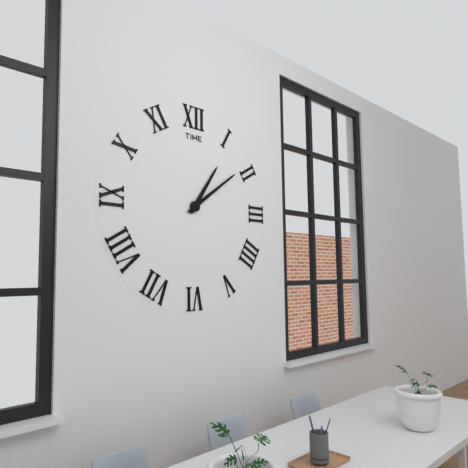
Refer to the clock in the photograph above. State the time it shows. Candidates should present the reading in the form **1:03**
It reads **1:09**
